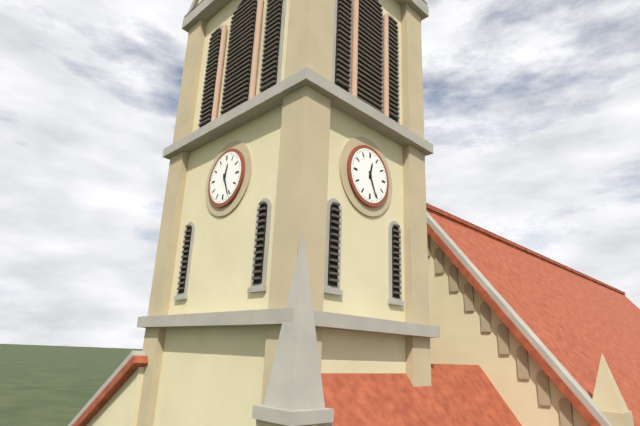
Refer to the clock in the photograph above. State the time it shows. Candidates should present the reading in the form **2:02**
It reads **12:26**
